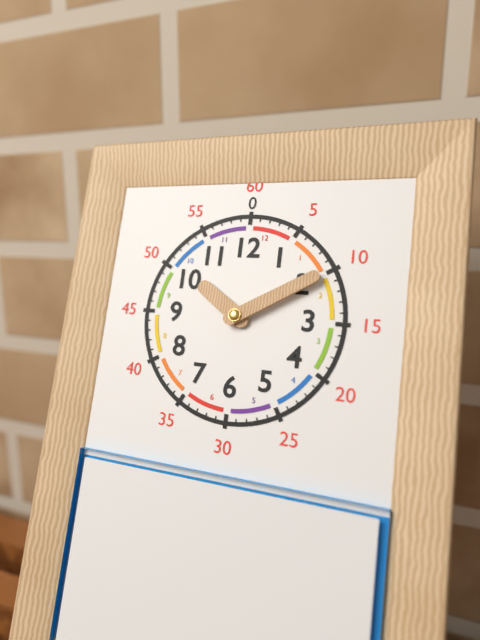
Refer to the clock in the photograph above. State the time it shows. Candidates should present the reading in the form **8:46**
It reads **10:10**
